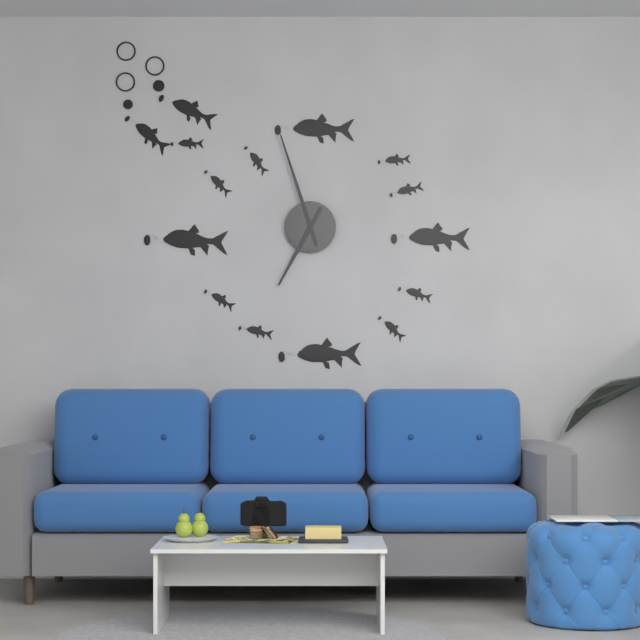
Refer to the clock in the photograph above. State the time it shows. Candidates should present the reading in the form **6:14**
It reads **6:57**
